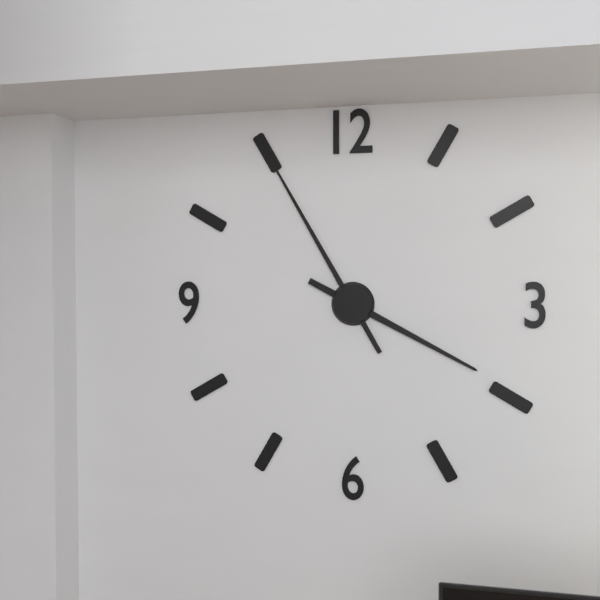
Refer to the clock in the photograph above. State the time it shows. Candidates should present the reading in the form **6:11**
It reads **3:55**
